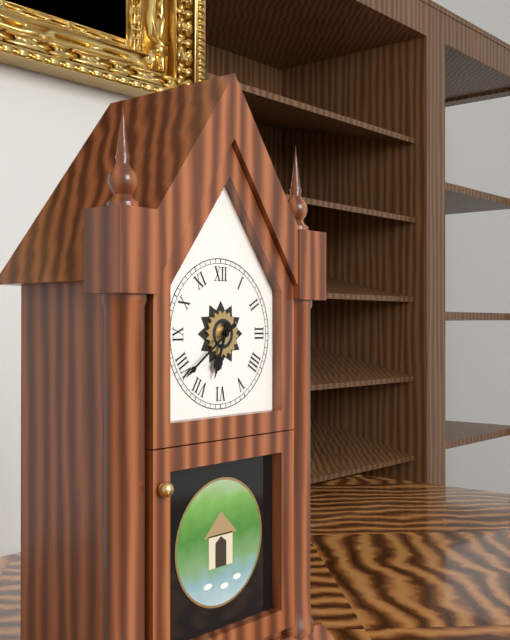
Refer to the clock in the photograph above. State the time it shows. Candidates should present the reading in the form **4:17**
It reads **6:39**
